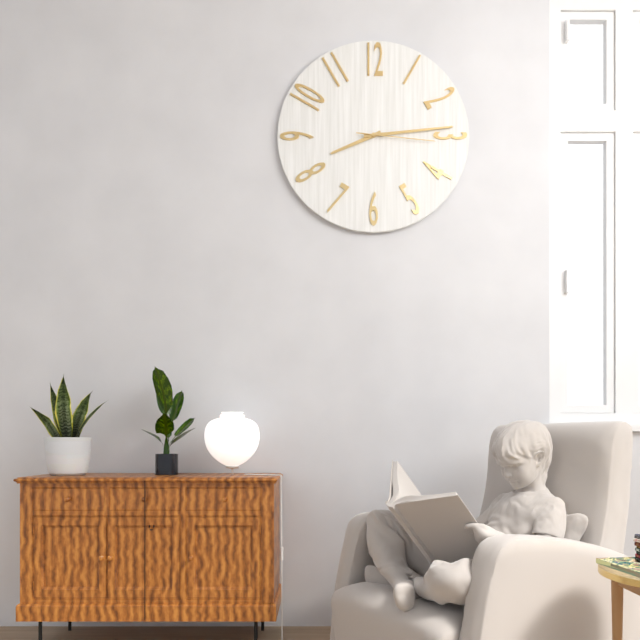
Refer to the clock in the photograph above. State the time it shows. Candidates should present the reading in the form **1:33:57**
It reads **8:14:16**
